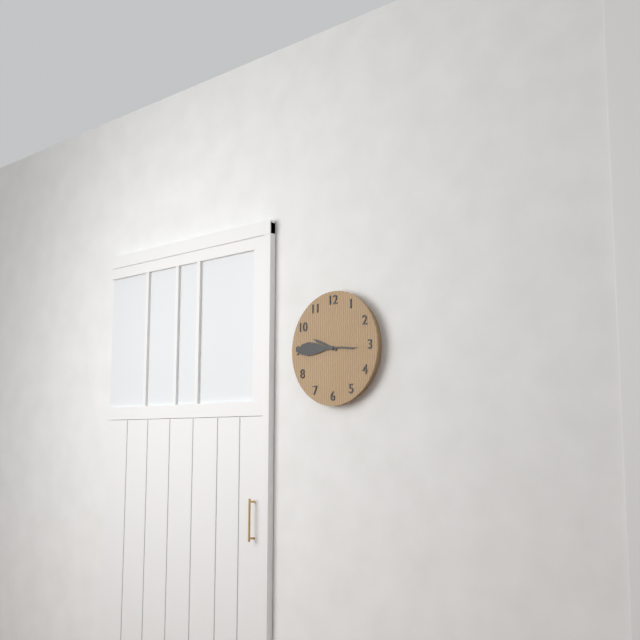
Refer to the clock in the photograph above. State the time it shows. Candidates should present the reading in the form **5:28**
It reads **9:45**
